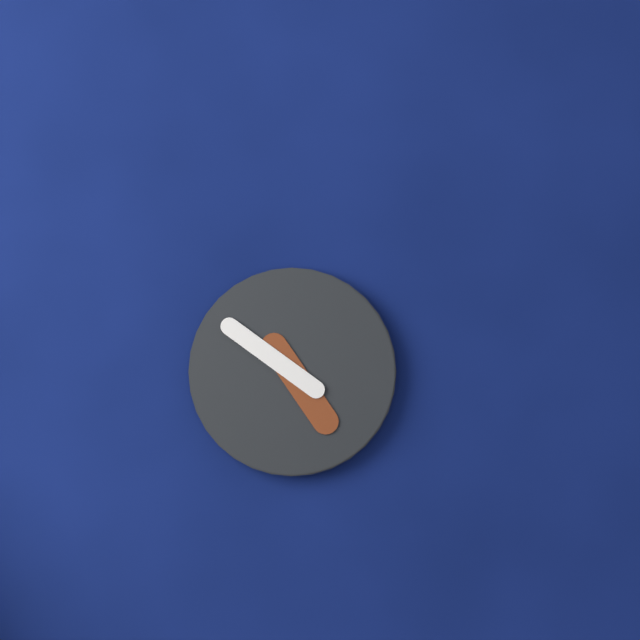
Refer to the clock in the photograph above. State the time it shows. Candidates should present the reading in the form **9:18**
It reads **4:51**
